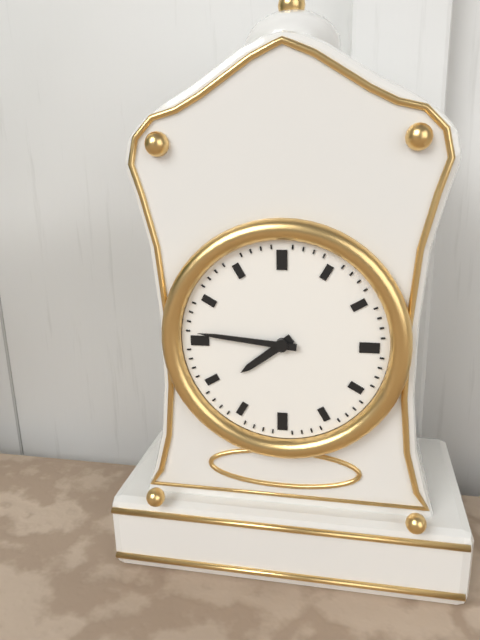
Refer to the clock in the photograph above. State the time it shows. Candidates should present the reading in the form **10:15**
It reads **7:46**
